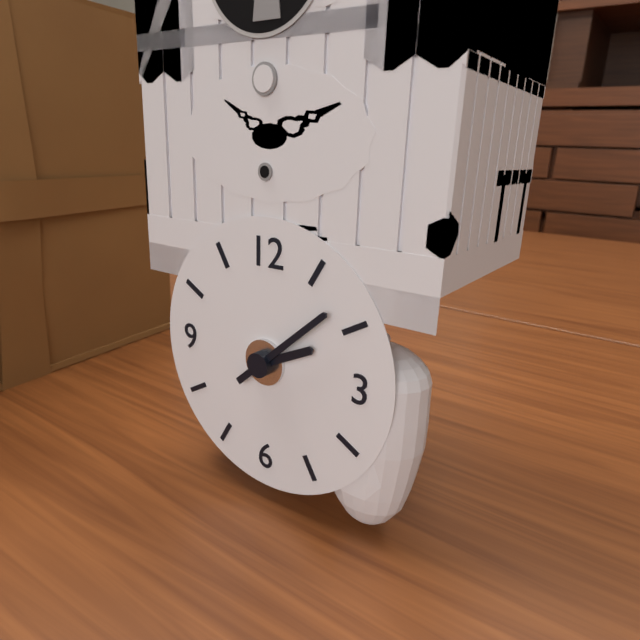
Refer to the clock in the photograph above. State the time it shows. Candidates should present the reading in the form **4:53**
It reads **2:08**
